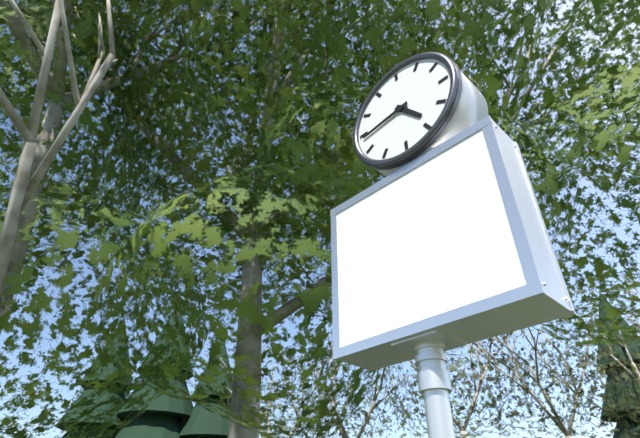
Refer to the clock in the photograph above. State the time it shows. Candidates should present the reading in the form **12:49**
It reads **4:44**
